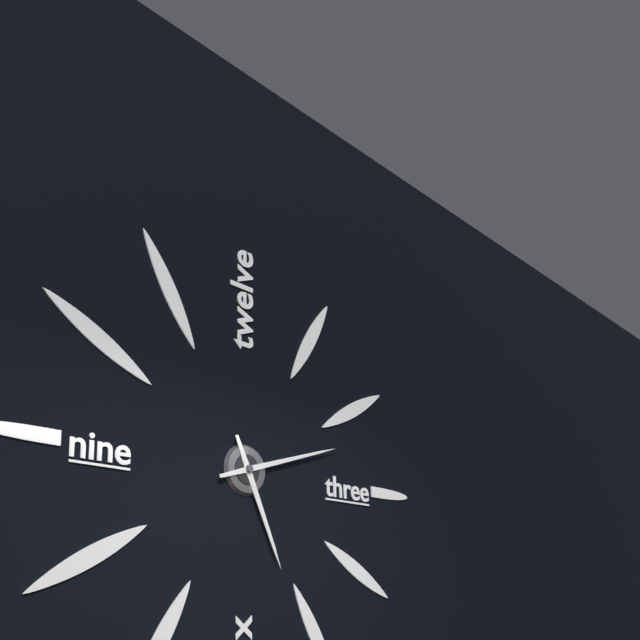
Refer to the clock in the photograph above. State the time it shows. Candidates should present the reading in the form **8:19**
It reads **5:12**
